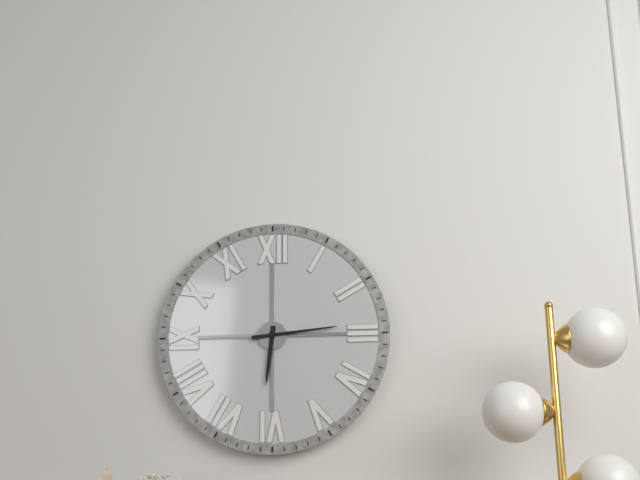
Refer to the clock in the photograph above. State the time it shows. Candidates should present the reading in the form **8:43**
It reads **6:14**
